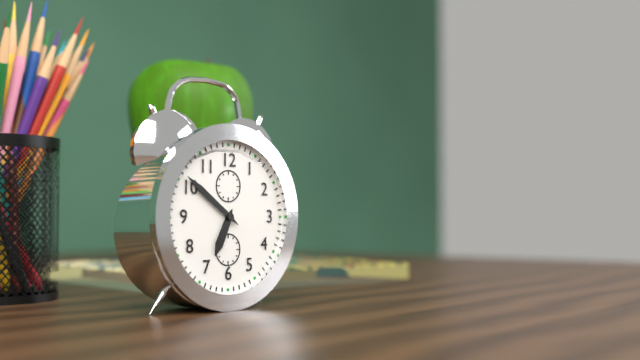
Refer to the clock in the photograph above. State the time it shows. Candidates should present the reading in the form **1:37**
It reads **6:51**
